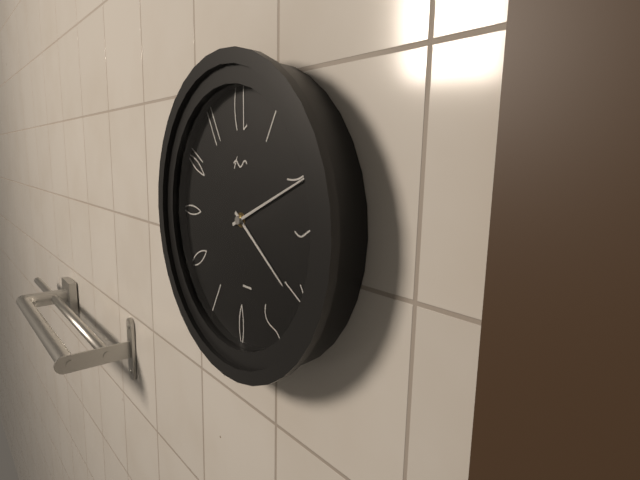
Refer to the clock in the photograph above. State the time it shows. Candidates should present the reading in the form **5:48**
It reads **4:11**
